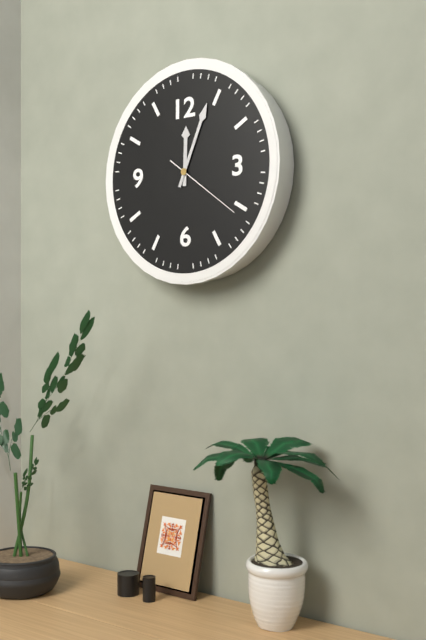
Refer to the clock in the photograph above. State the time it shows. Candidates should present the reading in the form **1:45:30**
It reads **12:04:21**
